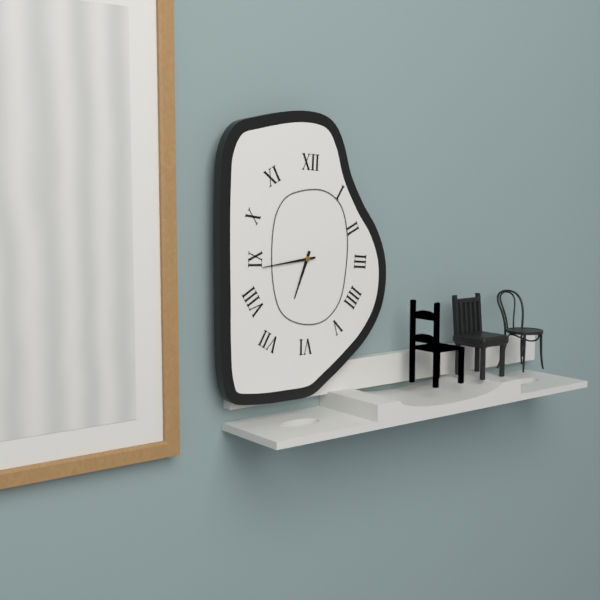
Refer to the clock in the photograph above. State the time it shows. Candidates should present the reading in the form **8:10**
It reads **6:44**
